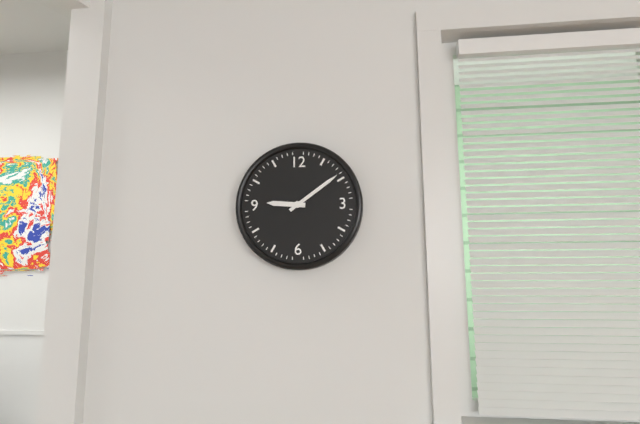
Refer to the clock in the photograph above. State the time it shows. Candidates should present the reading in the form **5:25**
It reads **9:09**
